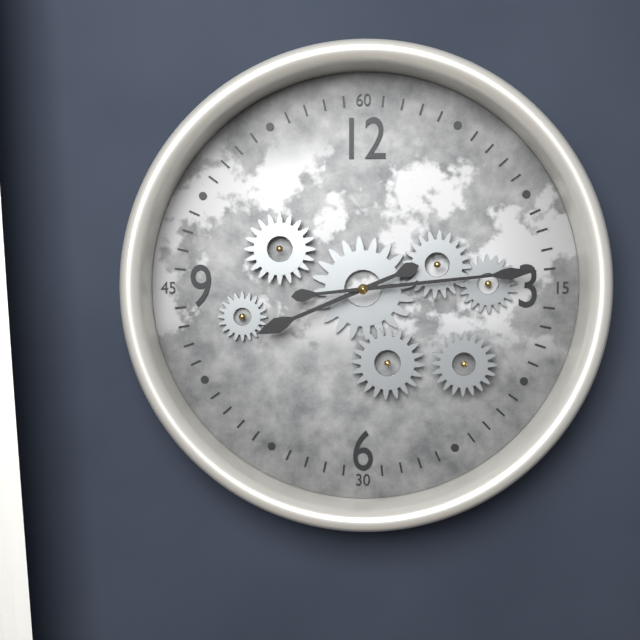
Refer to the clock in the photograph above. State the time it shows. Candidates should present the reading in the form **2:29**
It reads **8:14**
